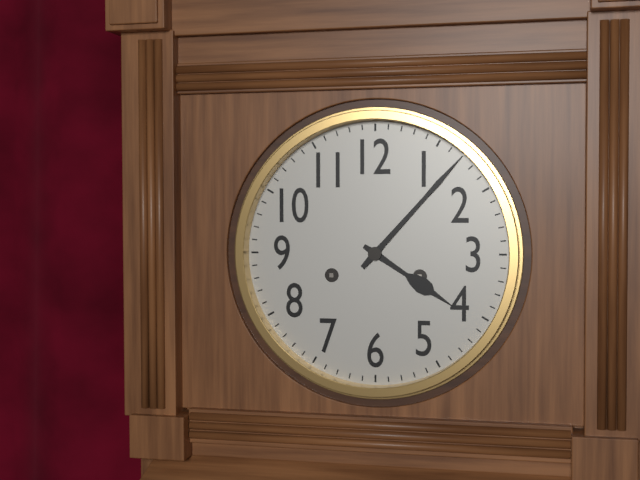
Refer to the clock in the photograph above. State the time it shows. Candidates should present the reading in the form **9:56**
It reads **4:07**
